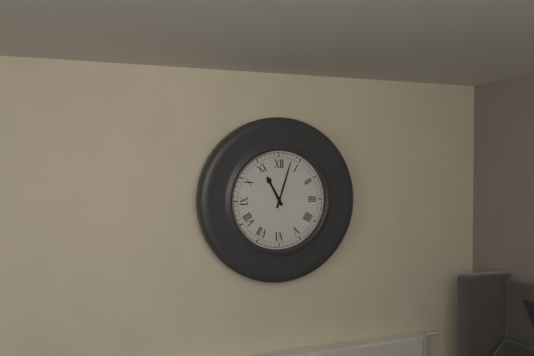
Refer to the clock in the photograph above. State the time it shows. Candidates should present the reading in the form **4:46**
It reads **11:03**
